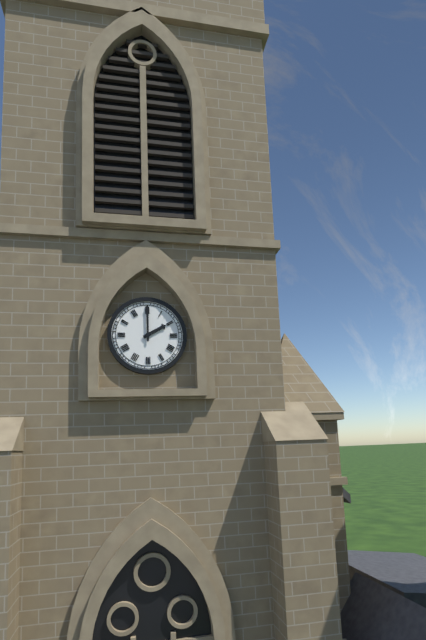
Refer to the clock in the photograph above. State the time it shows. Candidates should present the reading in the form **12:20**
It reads **2:00**
